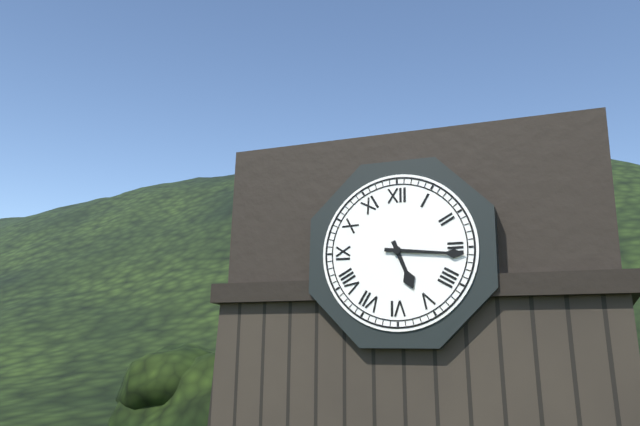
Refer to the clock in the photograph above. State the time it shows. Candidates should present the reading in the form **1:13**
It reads **5:16**
